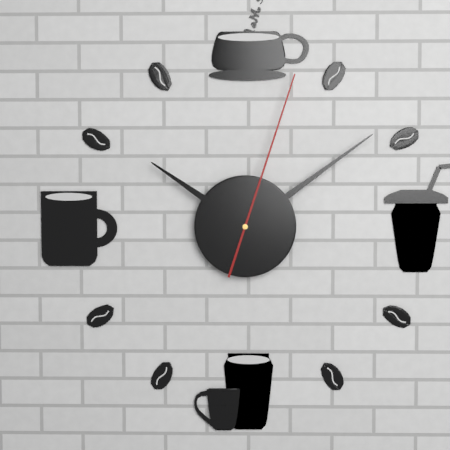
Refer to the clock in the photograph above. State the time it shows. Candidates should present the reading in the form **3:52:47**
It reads **10:09:03**
